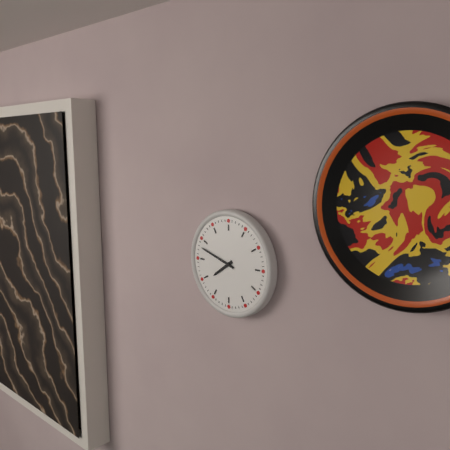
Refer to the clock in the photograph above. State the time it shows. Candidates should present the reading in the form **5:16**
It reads **7:48**
